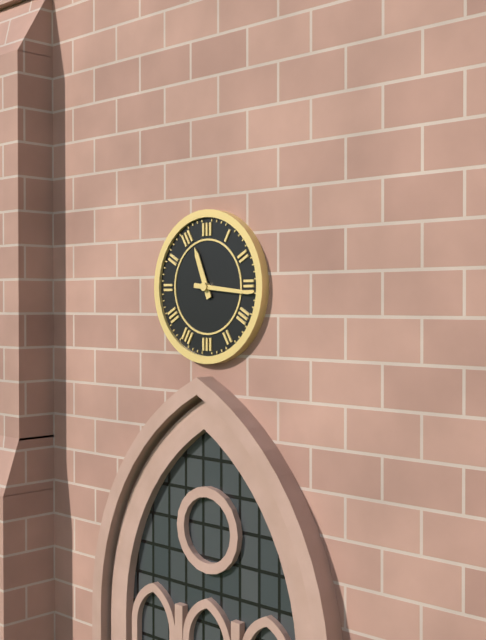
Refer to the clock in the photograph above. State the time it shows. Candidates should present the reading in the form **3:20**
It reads **11:16**
